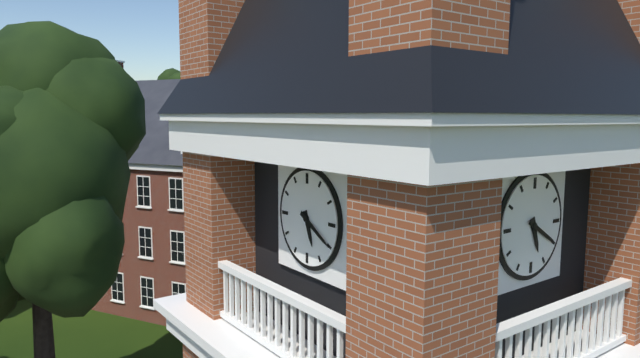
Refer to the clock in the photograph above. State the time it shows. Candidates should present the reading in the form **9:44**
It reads **5:20**
